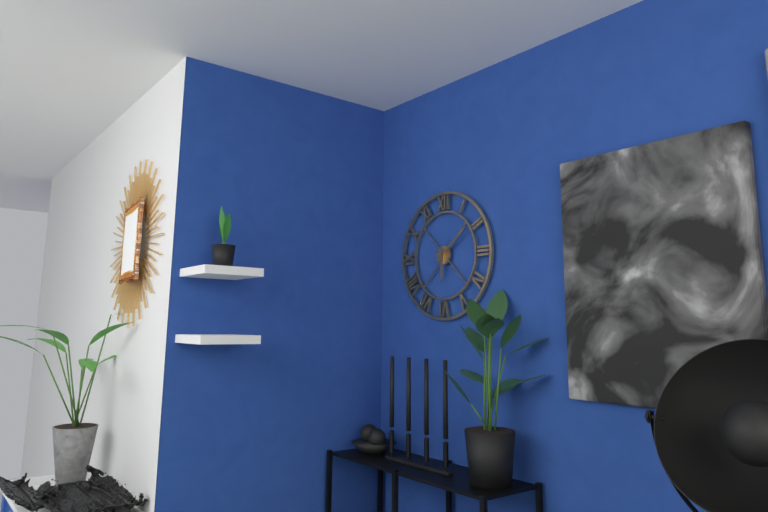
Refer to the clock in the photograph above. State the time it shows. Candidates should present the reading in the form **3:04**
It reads **6:09**
